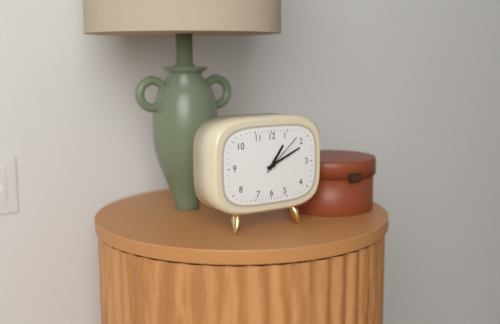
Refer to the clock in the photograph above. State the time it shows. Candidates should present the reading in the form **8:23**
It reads **1:11**
